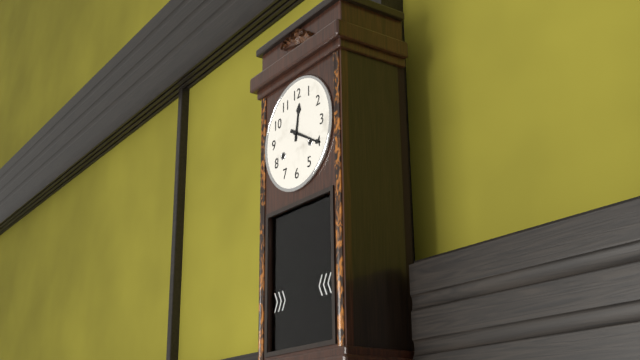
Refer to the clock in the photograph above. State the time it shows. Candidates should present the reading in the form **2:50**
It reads **12:20**
